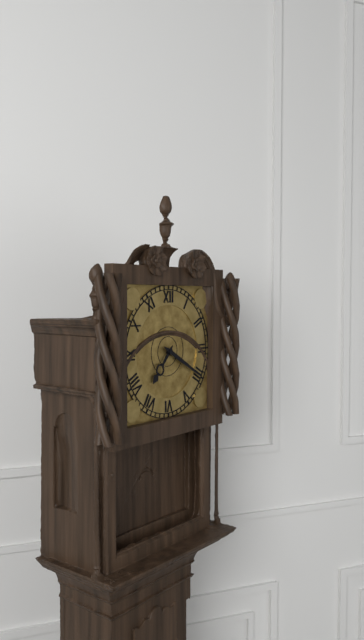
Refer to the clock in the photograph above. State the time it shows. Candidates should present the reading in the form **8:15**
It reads **7:20**
